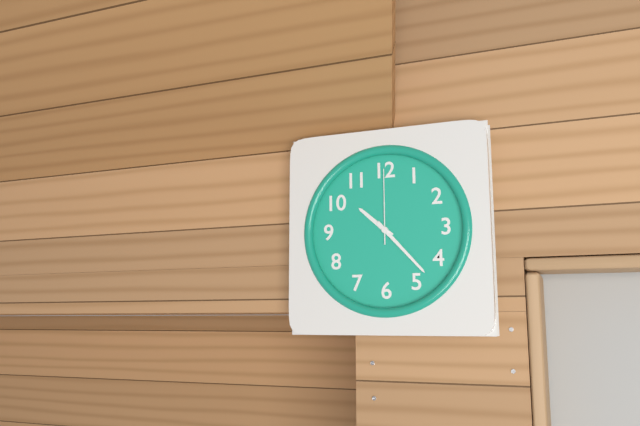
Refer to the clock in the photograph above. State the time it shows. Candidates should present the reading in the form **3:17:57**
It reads **10:23:00**
